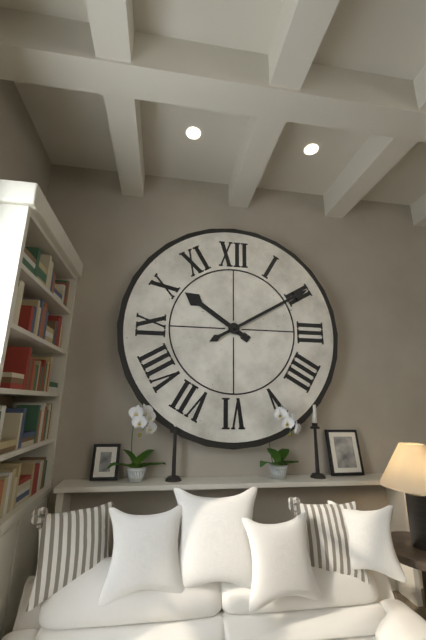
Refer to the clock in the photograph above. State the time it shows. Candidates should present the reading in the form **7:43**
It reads **10:10**
